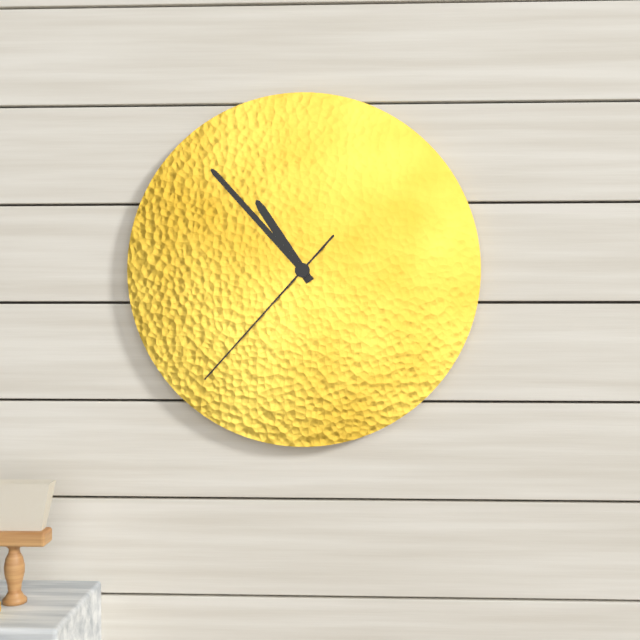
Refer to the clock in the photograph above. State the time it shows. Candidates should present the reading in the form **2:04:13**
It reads **10:53:37**
